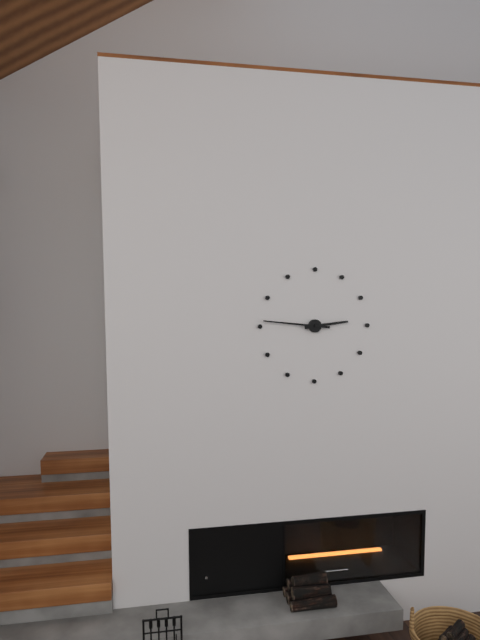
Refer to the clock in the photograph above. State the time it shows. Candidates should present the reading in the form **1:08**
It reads **2:46**
